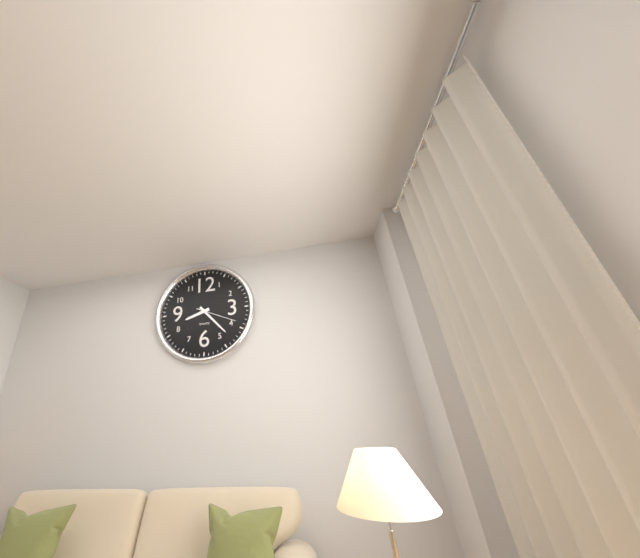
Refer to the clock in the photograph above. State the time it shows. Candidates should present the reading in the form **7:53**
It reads **8:23**
